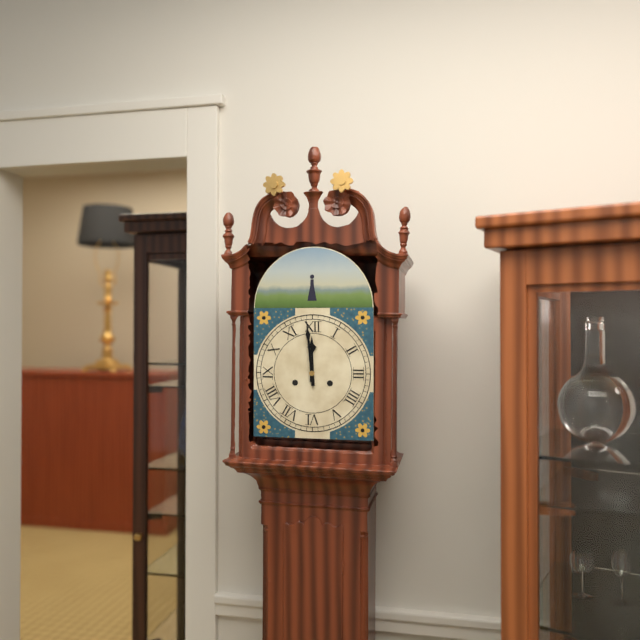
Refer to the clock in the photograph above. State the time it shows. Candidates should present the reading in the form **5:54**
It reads **11:59**
